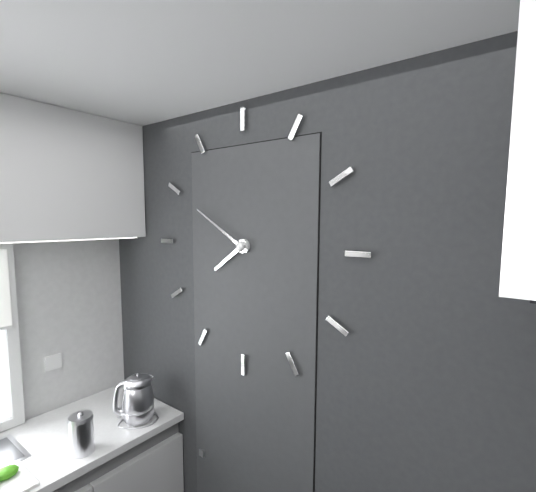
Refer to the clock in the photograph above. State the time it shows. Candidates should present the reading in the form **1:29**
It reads **7:50**
